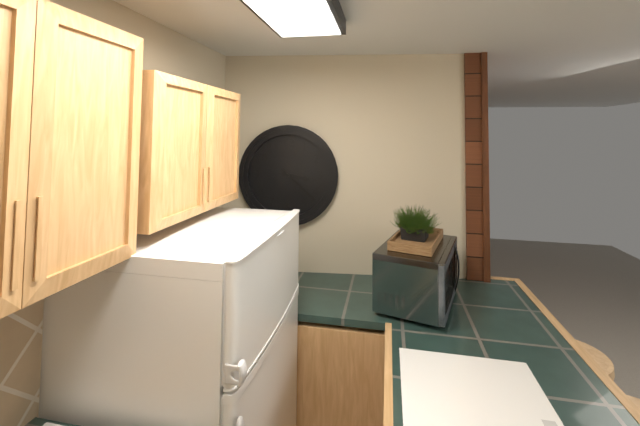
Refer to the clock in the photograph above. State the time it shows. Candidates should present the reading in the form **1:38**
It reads **3:22**
